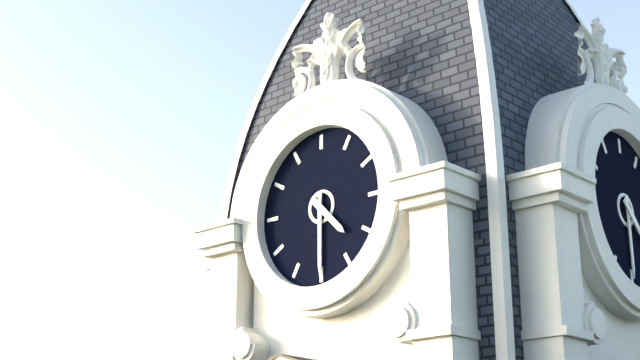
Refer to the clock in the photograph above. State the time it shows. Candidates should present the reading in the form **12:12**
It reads **4:30**
